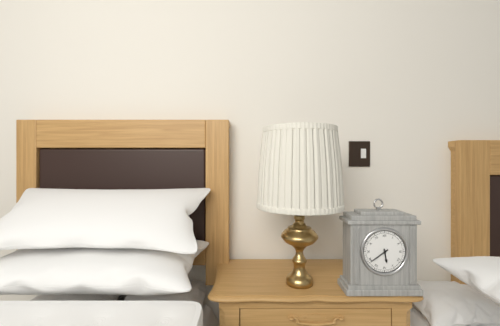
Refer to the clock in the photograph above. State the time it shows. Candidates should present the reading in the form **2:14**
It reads **5:39**
